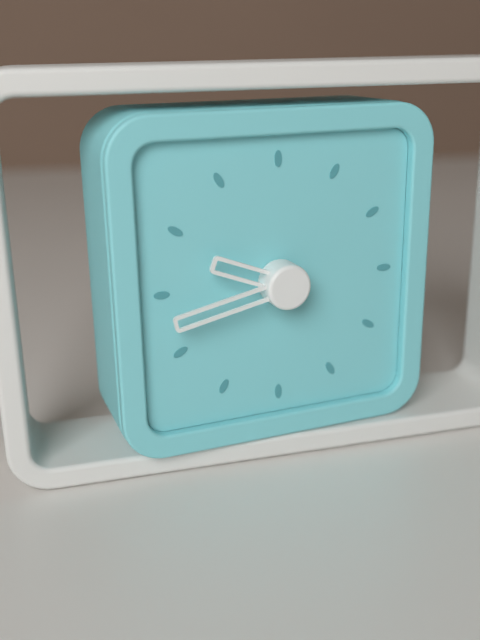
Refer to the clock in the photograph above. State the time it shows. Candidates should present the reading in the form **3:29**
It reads **9:43**
